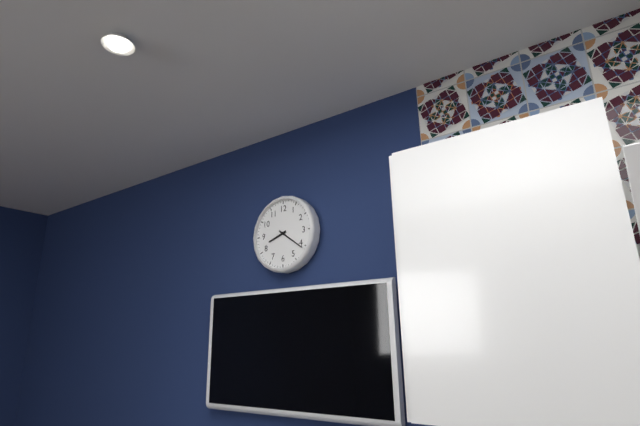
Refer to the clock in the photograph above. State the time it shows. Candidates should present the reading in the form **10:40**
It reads **8:21**
